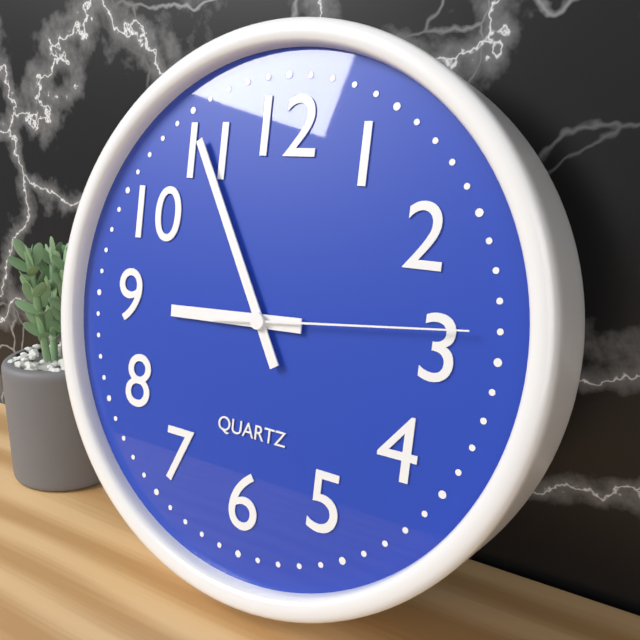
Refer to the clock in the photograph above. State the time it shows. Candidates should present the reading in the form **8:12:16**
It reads **8:55:14**
